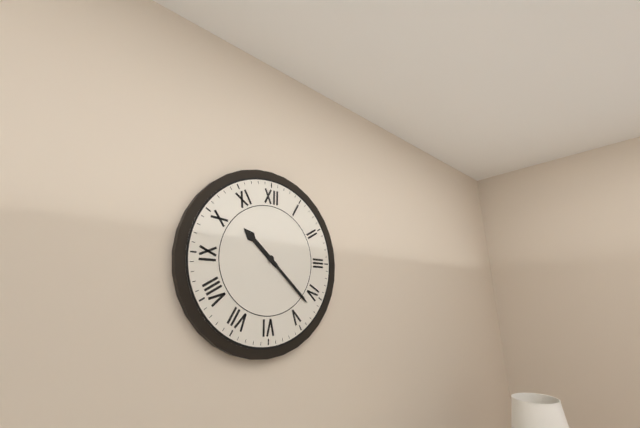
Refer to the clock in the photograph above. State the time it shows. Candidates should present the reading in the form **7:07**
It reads **10:22**
